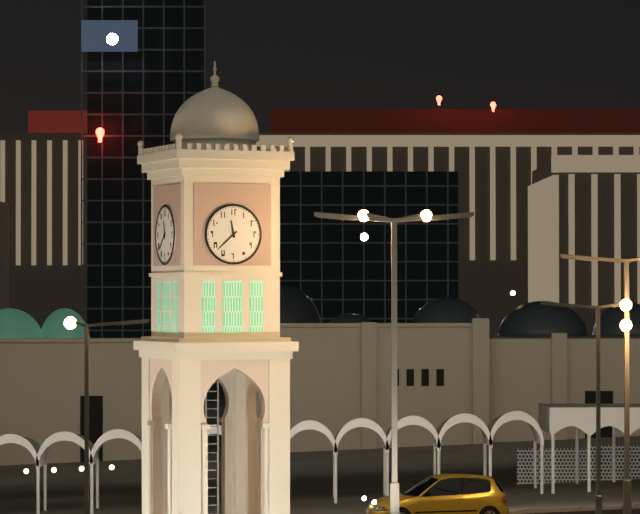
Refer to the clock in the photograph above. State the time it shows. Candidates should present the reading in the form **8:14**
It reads **11:38**
